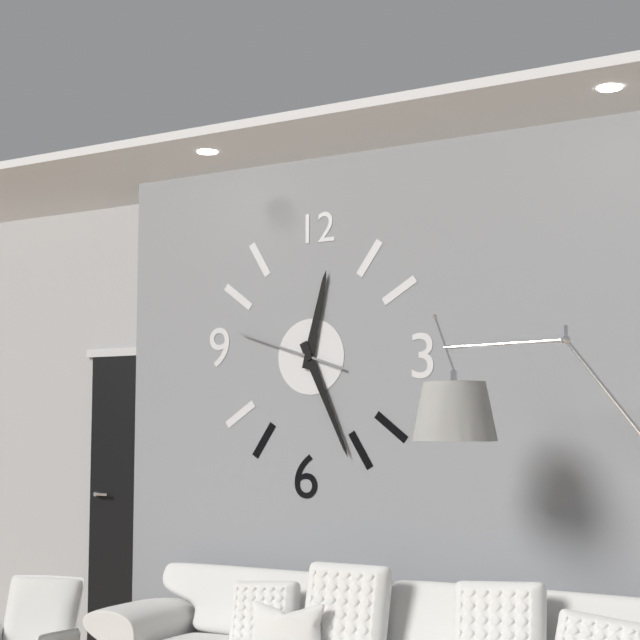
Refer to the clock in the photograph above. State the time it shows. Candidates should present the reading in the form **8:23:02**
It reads **12:26:48**
